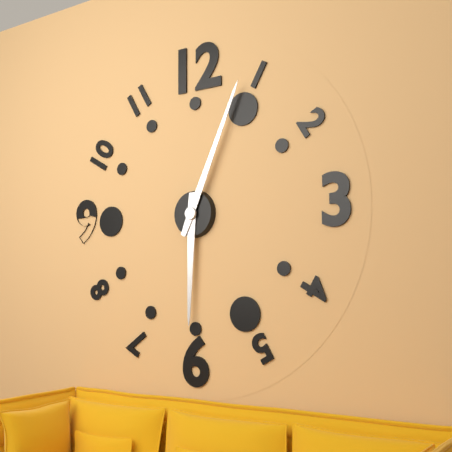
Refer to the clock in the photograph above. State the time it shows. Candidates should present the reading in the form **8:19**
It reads **6:04**
